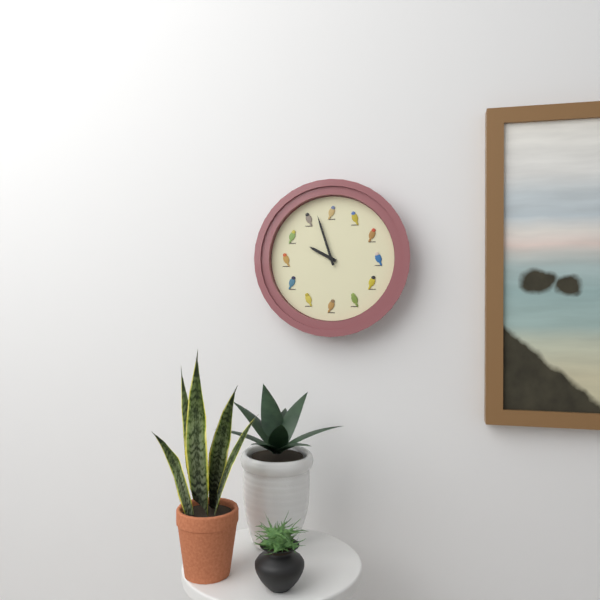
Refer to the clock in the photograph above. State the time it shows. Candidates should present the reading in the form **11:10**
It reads **9:57**
